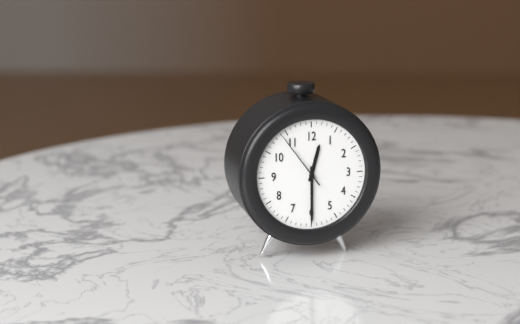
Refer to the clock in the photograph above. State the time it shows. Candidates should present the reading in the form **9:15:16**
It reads **12:30:54**
